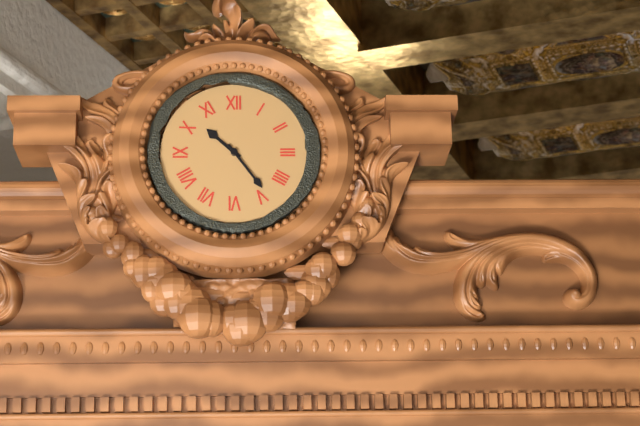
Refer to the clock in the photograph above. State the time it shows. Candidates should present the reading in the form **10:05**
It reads **10:24**
